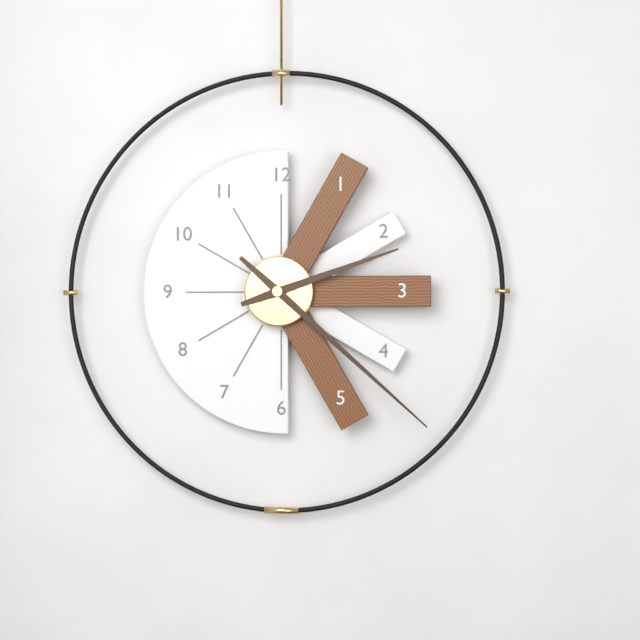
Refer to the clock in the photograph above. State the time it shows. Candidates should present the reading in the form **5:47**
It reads **2:22**
